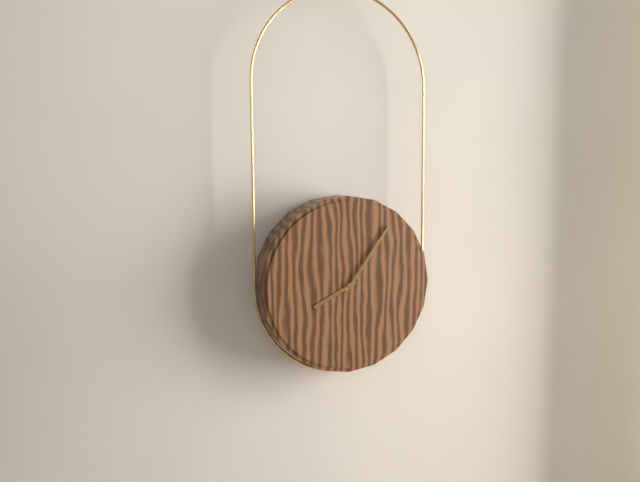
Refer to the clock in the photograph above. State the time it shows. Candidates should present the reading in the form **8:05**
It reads **8:06**
